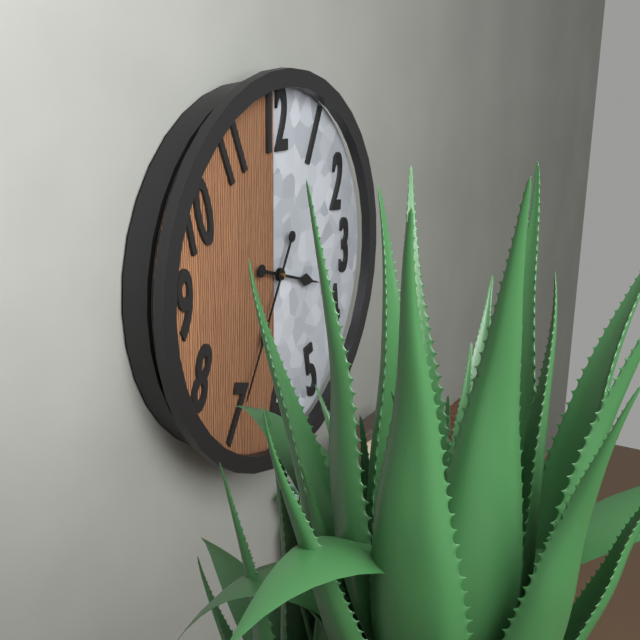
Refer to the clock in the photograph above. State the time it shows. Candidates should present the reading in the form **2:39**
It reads **3:35**
